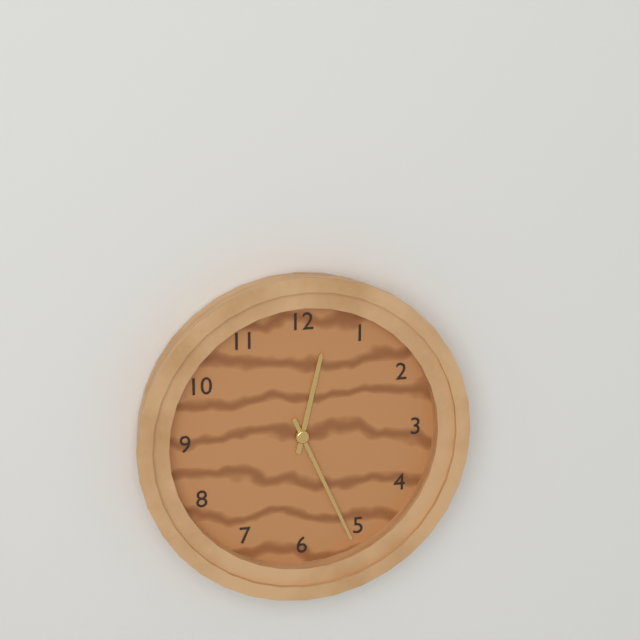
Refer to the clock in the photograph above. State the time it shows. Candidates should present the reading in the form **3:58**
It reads **12:26**
